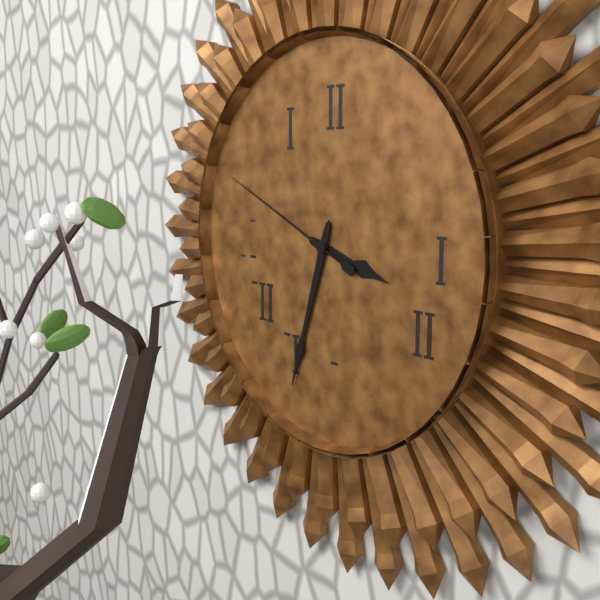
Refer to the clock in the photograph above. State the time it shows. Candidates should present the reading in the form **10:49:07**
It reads **3:33:49**
